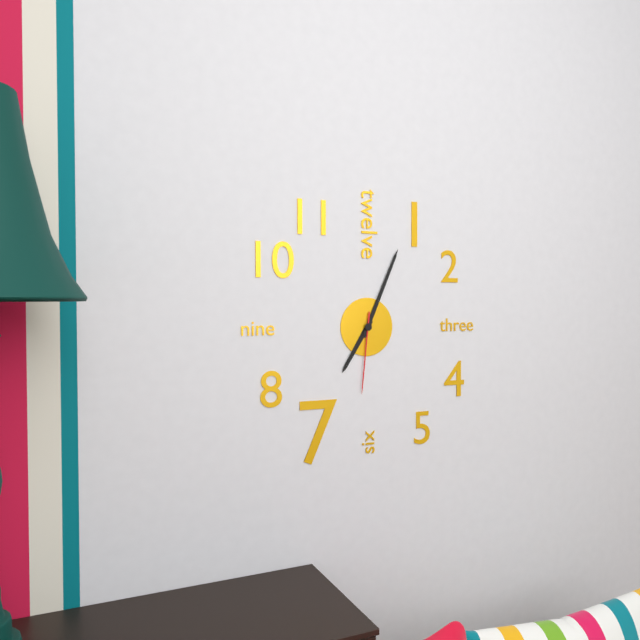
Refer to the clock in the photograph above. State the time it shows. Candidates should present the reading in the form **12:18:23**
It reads **7:04:31**
